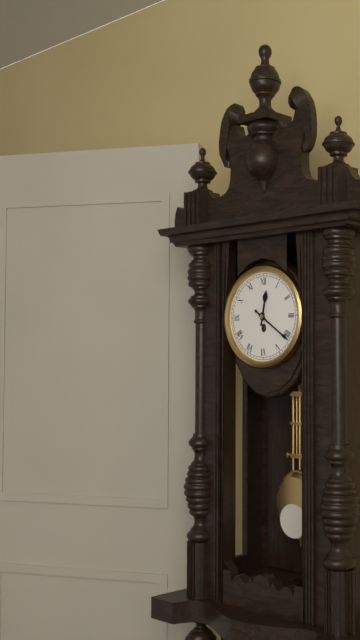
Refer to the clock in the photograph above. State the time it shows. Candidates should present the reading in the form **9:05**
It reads **12:21**
